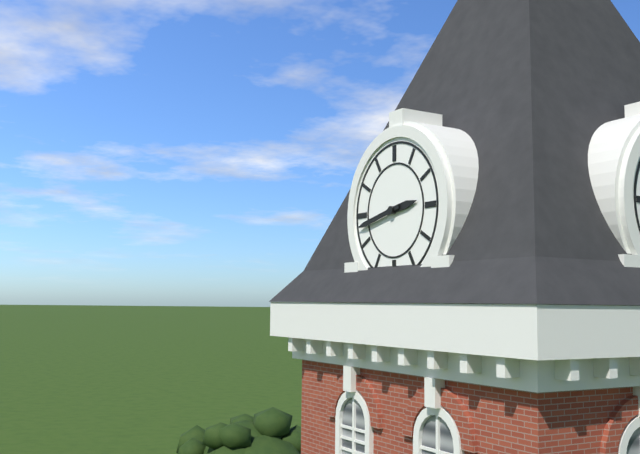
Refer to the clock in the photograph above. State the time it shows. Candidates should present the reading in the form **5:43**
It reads **2:43**
